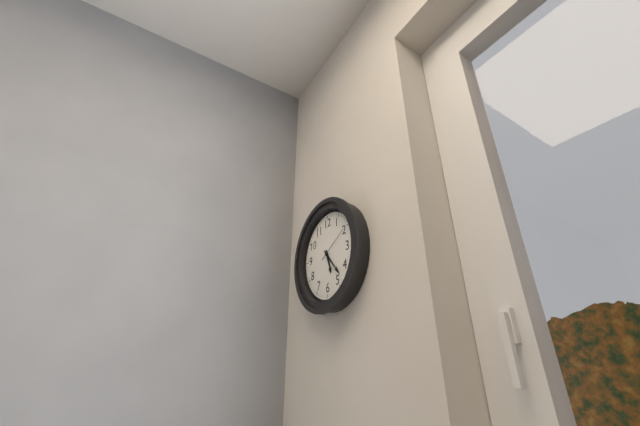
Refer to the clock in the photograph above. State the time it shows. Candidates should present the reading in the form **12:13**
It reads **5:23**
